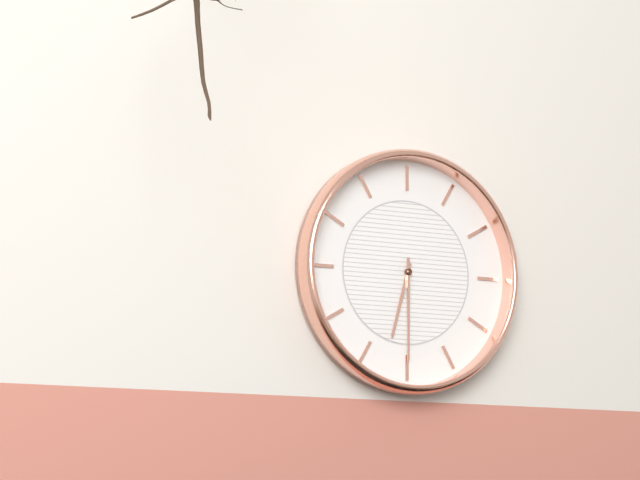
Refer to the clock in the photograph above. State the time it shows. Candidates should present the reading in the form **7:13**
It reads **6:30**
